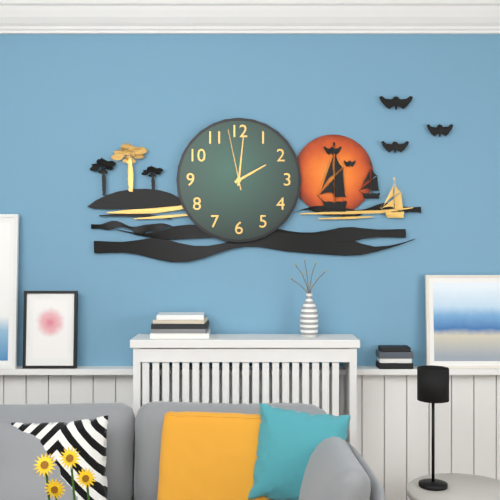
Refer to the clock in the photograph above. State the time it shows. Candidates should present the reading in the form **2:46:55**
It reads **2:01:58**
